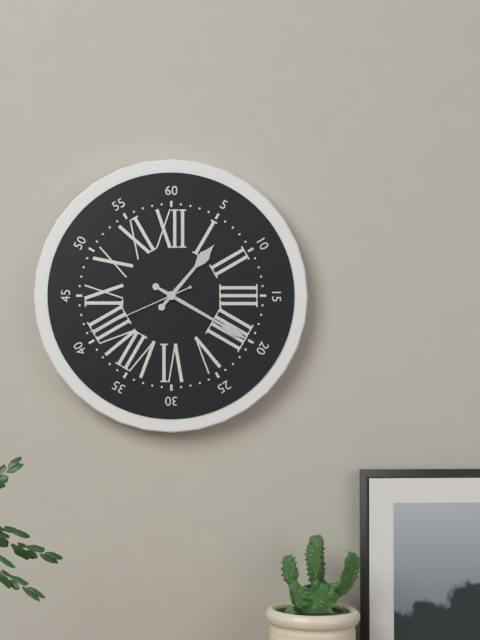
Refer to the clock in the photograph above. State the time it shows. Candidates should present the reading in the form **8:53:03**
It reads **1:20:41**
